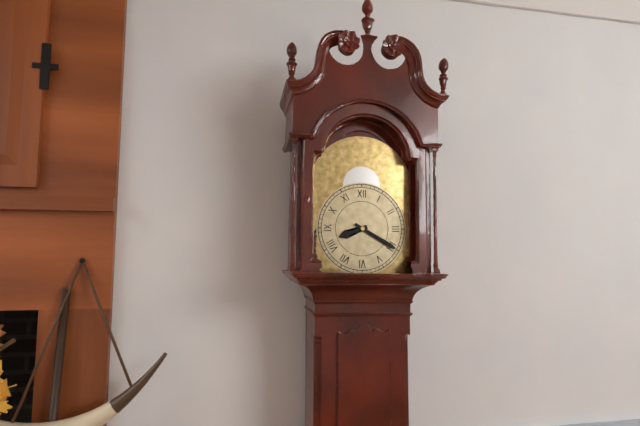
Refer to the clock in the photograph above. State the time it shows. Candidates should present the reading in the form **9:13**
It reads **8:20**
